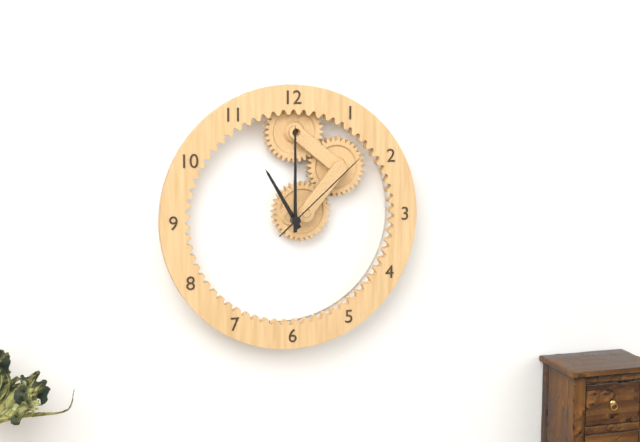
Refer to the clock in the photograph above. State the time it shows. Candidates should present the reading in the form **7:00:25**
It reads **11:00:08**
